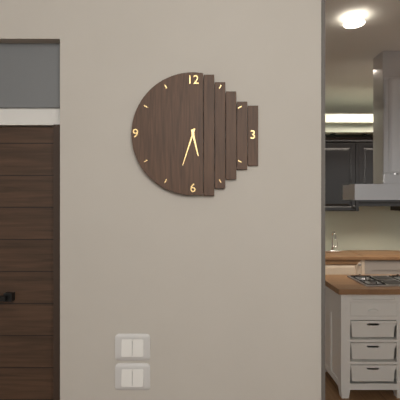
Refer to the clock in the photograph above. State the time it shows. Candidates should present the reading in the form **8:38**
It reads **5:33**
